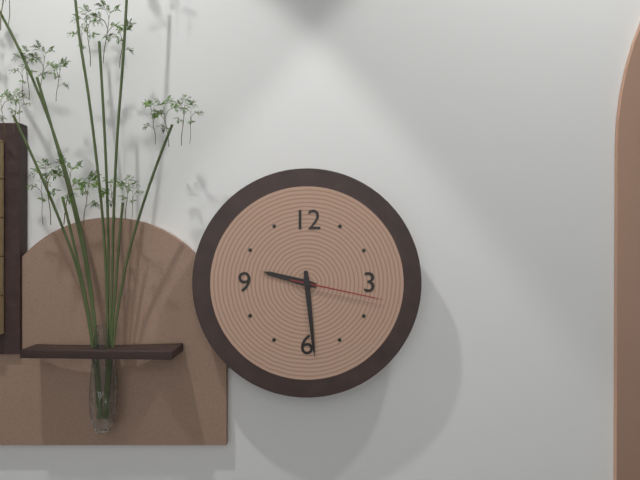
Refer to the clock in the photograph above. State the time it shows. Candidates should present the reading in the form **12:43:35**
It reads **9:29:17**
